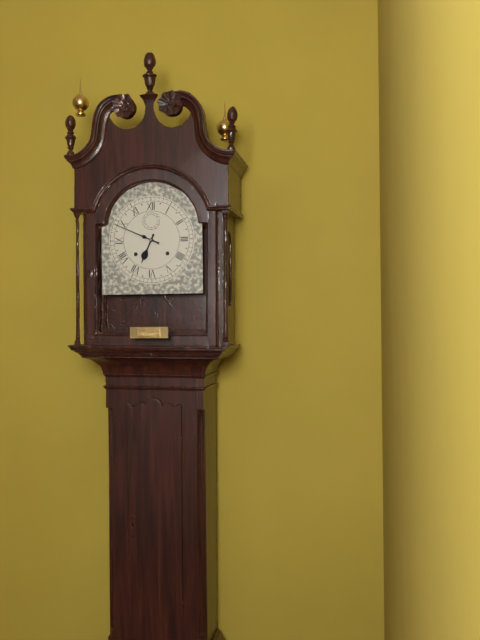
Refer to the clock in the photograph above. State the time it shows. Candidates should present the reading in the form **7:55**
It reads **6:49**
